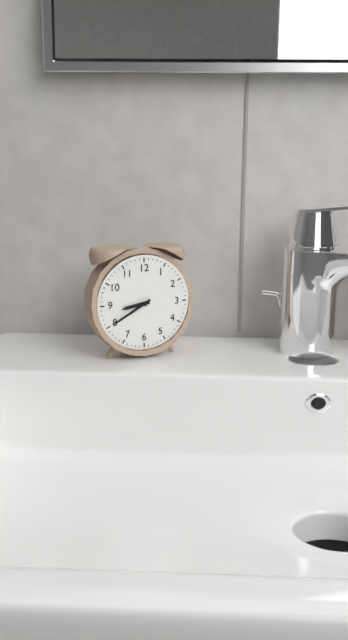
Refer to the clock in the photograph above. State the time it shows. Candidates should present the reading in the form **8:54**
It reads **8:40**
